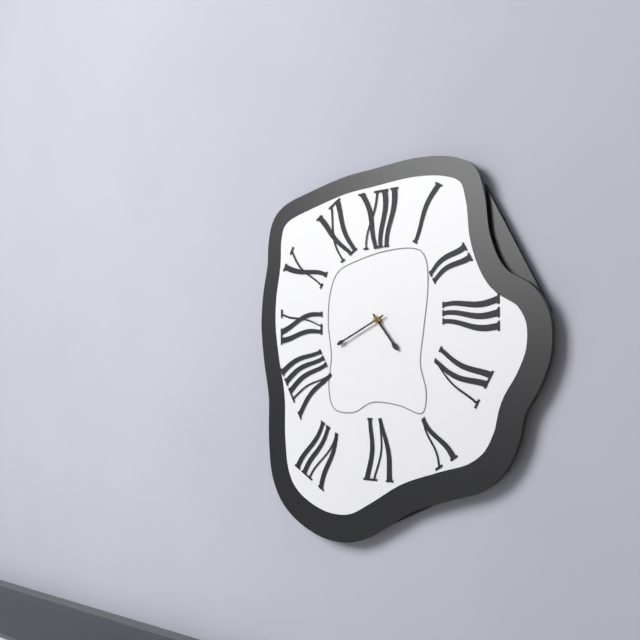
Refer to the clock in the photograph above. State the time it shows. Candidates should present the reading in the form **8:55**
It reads **4:41**
